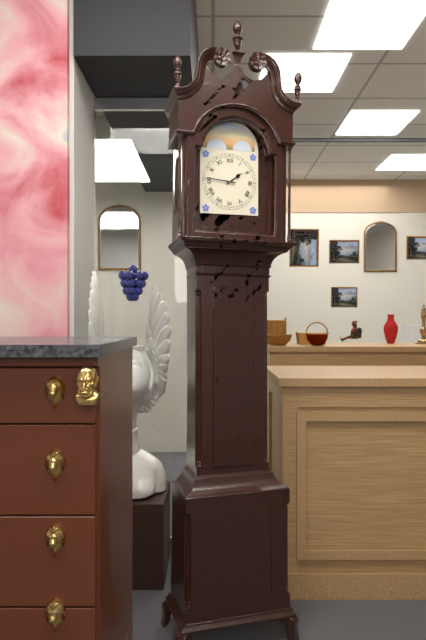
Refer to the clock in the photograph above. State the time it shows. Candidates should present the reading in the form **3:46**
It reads **1:46**
